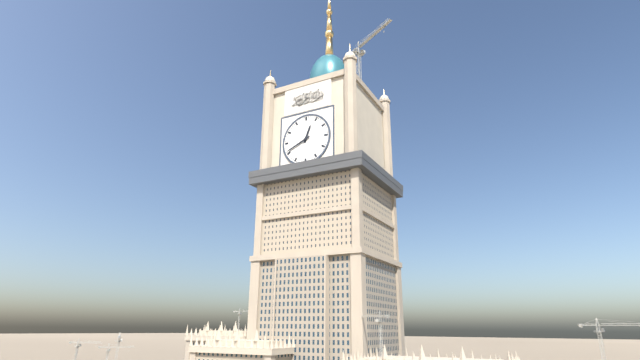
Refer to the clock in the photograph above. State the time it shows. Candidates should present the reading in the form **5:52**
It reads **12:41**
